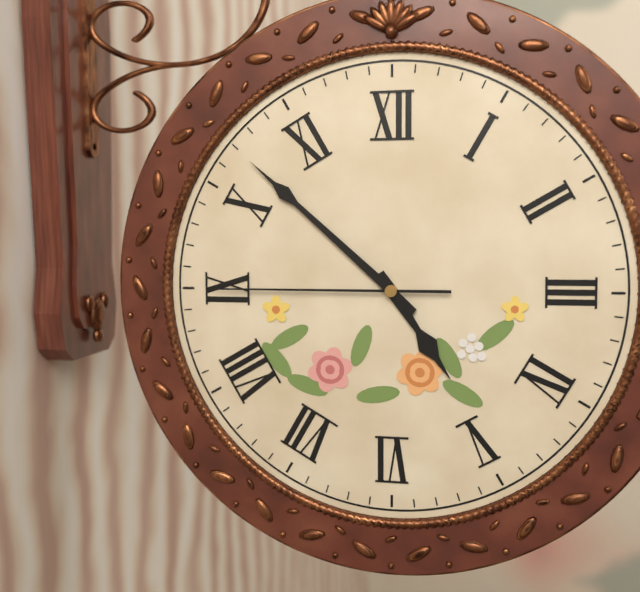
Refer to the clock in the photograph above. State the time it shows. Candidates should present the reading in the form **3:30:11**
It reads **4:52:45**
